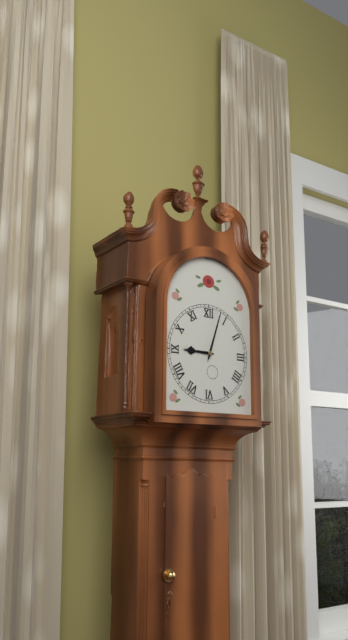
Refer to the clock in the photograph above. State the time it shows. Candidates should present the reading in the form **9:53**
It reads **9:03**
